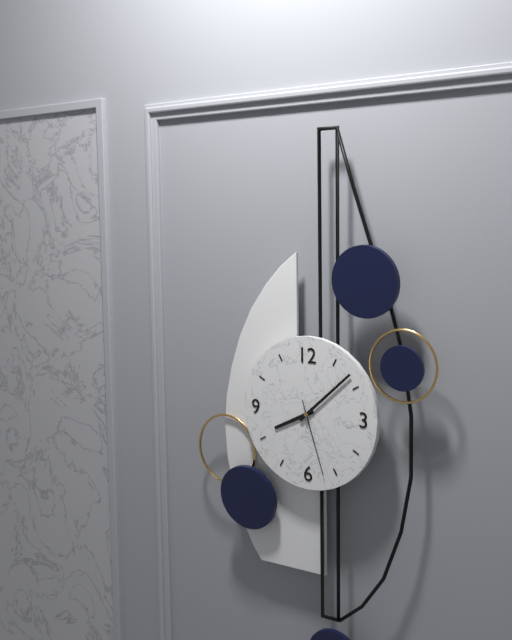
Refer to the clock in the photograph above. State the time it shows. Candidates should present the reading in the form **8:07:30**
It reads **8:08:27**
